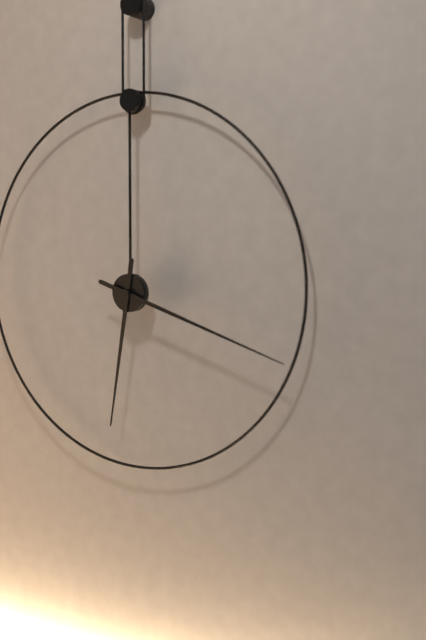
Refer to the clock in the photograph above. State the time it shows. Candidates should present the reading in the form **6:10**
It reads **6:18**
